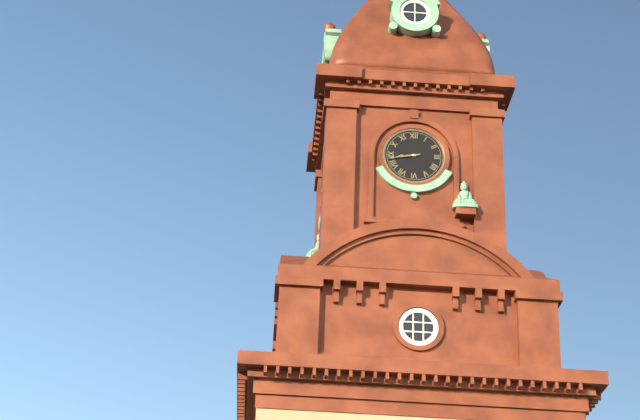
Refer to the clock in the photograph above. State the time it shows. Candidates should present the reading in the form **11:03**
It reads **8:43**
